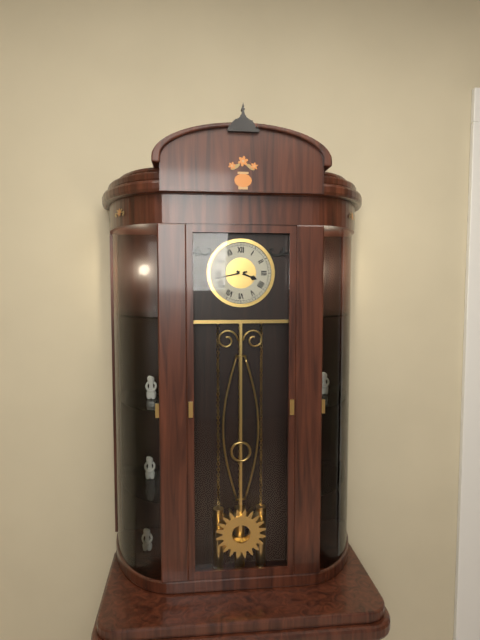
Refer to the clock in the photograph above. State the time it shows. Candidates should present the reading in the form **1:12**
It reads **3:43**
